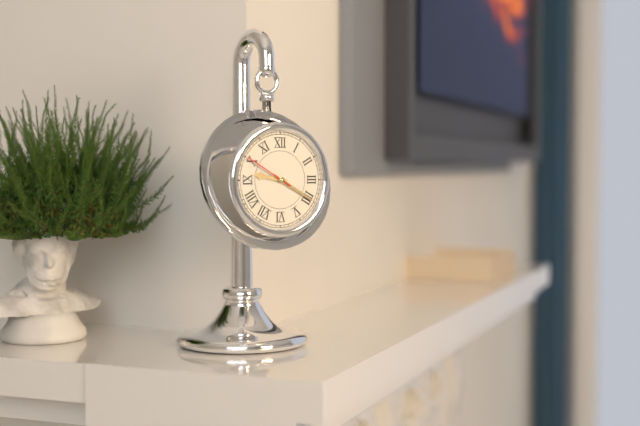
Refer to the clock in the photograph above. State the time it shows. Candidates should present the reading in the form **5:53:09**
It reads **9:20:50**
